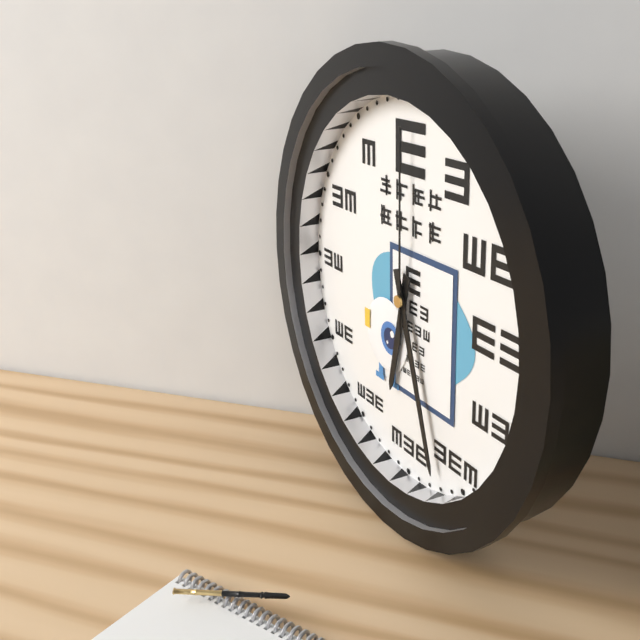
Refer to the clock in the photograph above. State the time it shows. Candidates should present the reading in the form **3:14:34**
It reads **6:27:00**
